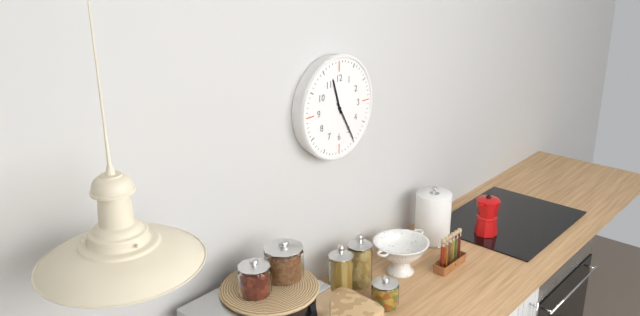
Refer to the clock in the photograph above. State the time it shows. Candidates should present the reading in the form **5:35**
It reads **11:25**
